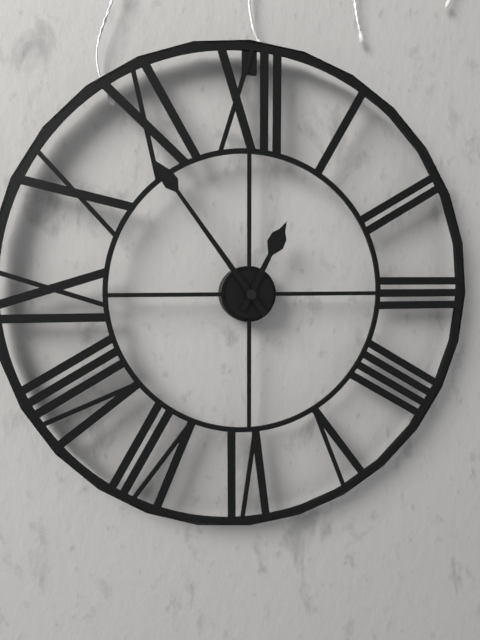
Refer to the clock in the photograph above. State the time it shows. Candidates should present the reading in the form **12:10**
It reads **12:54**
